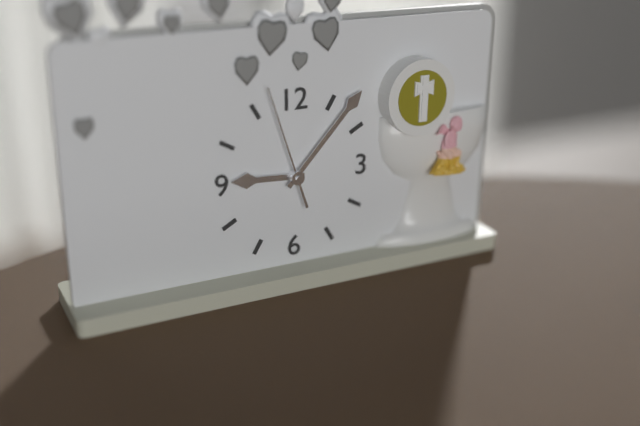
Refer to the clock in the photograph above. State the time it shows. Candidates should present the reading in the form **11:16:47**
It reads **9:07:57**
